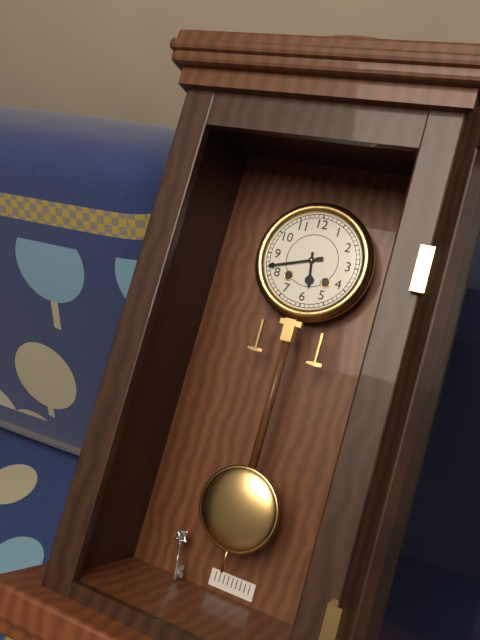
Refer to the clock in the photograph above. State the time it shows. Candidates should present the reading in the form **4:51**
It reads **5:42**
